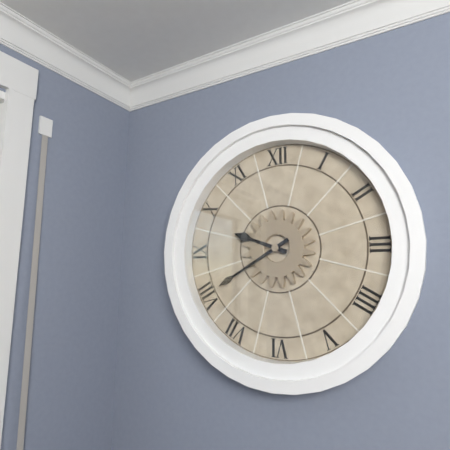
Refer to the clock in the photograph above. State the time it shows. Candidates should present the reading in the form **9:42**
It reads **9:40**
